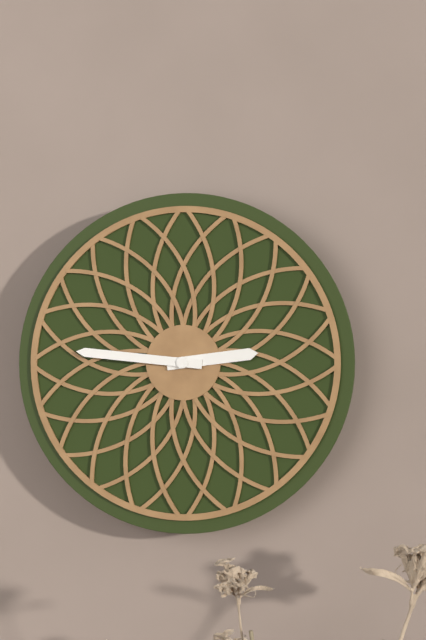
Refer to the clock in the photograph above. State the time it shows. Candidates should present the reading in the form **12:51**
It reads **2:46**
